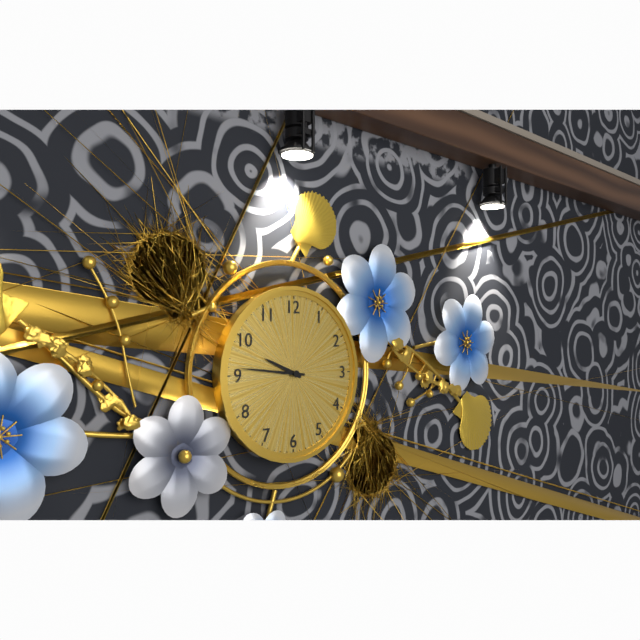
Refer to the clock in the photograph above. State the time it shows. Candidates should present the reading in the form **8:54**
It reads **9:46**
